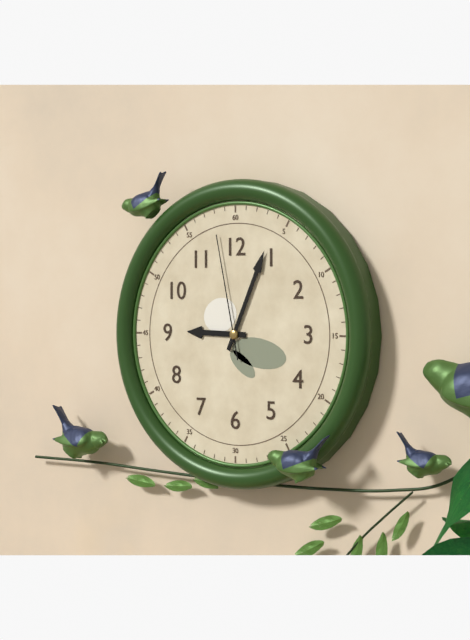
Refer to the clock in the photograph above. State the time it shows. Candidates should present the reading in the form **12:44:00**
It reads **9:04:58**
